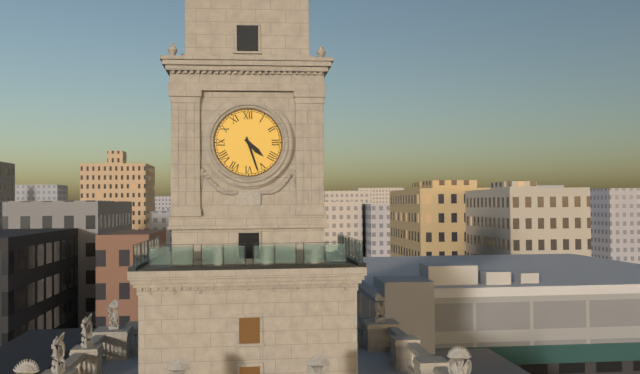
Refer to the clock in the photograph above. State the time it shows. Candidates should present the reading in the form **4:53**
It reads **4:27**
